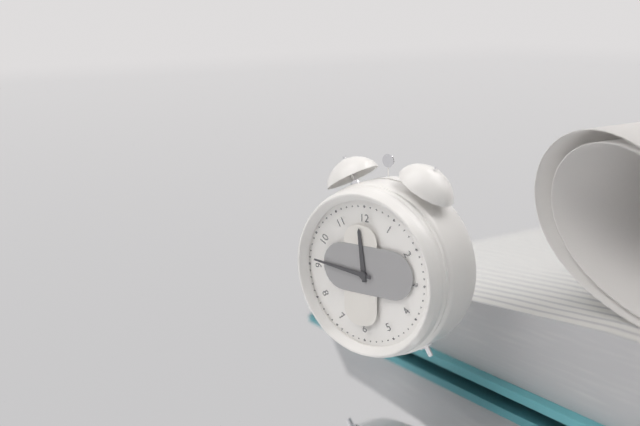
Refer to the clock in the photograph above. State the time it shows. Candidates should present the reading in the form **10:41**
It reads **11:46**
